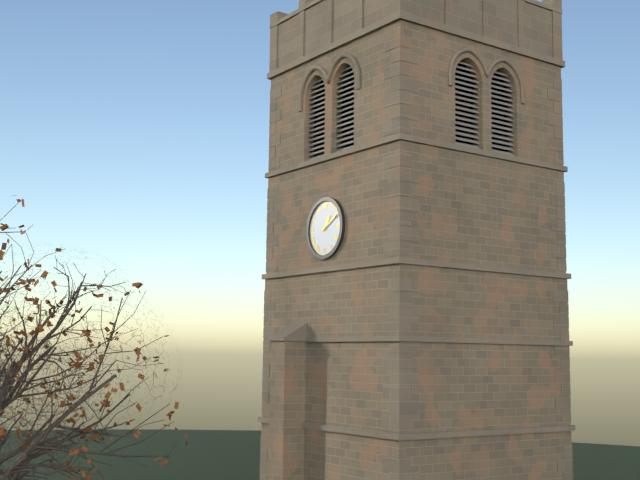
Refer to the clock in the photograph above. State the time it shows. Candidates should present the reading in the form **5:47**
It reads **1:10**
